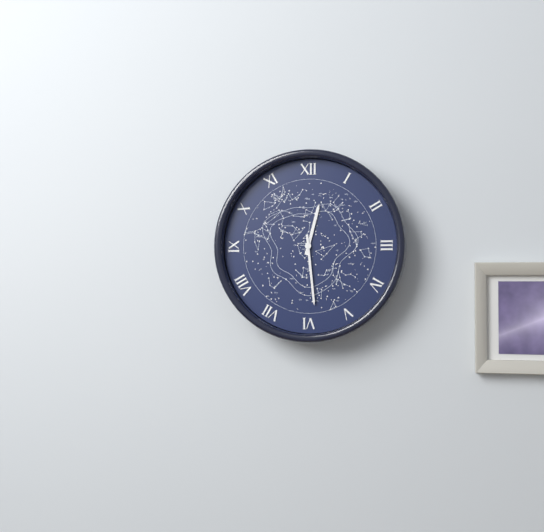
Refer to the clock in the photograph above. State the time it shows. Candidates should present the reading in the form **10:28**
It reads **12:29**
